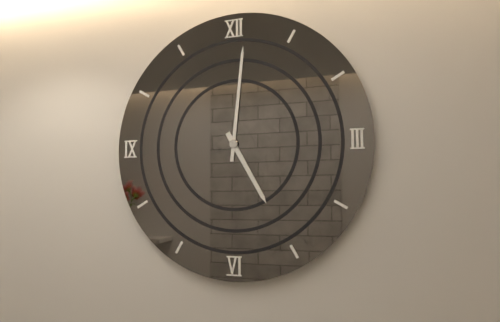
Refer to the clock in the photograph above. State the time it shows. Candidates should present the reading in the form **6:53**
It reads **5:01**
